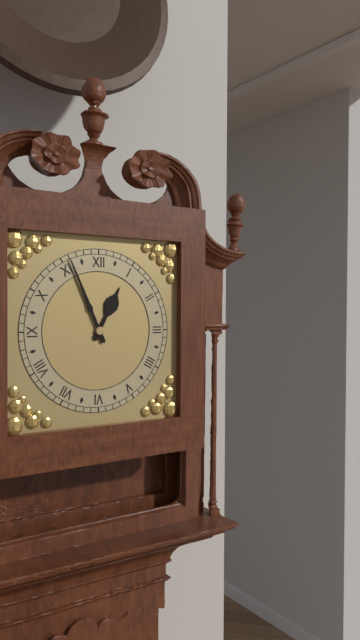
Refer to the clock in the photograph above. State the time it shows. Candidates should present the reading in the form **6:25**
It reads **12:56**
